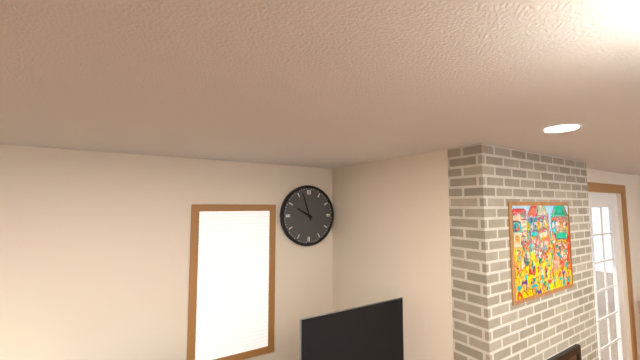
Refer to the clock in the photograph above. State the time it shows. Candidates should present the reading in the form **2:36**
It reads **9:57**
